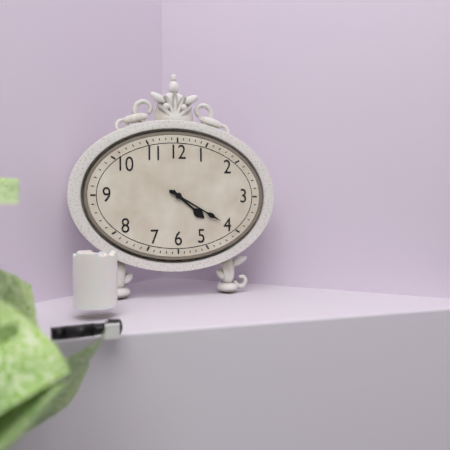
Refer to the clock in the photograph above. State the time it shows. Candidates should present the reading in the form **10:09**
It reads **4:20**
